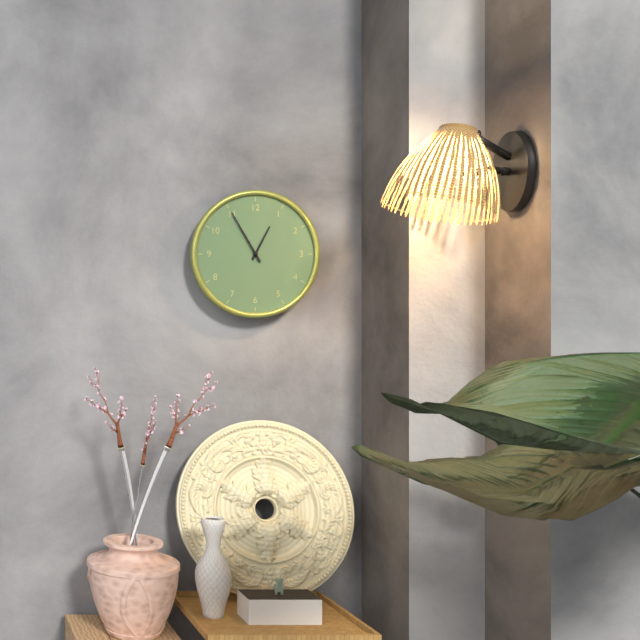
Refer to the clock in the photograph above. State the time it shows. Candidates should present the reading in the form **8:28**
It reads **12:55**
